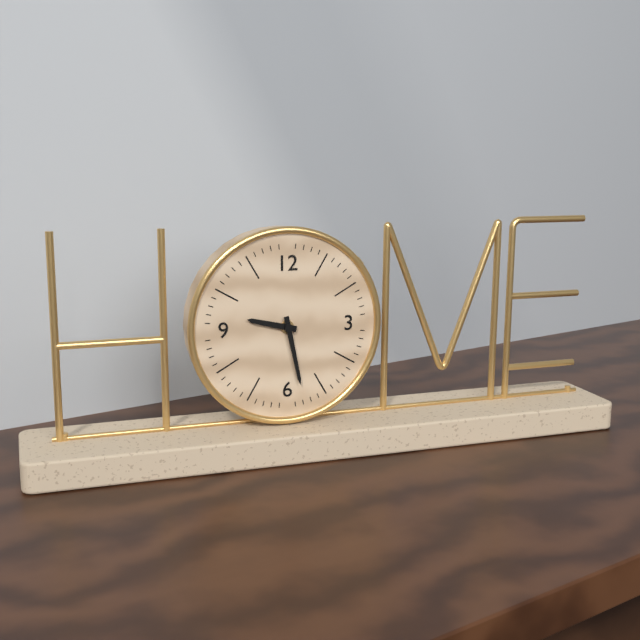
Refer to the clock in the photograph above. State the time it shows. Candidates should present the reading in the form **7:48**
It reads **9:28**
